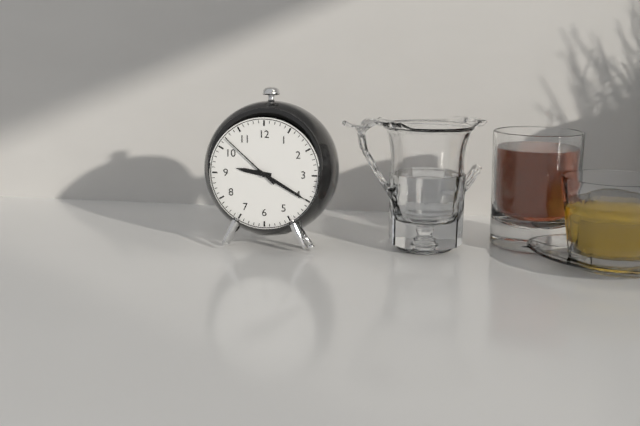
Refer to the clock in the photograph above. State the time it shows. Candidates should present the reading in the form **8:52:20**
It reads **9:20:52**
